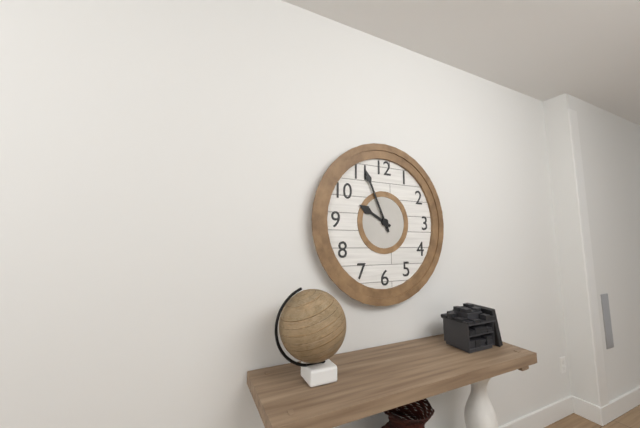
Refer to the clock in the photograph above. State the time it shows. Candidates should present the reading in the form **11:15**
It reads **9:56**
